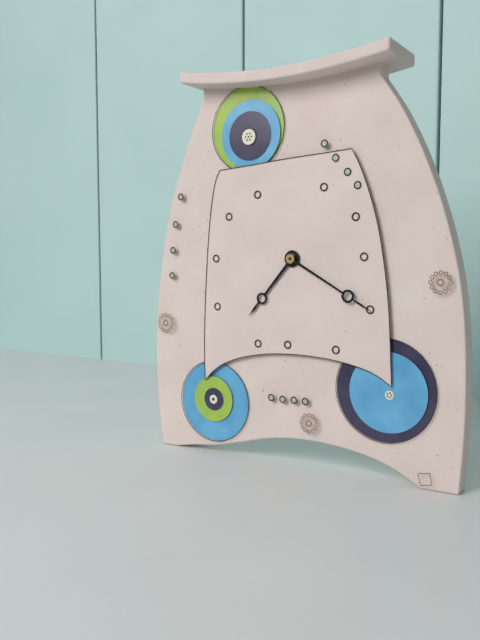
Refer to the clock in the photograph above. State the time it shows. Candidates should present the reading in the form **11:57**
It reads **7:20**
